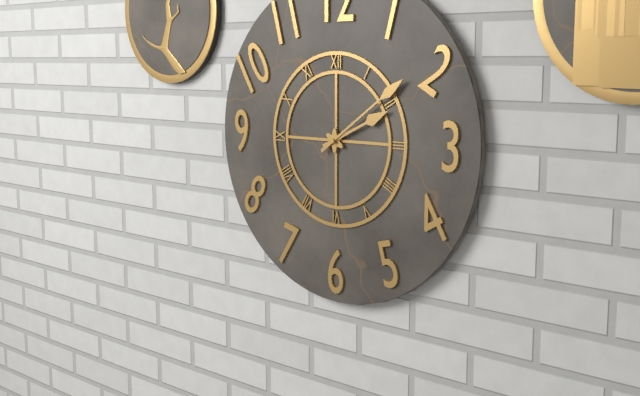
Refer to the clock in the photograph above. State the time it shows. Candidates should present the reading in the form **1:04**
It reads **2:09**
